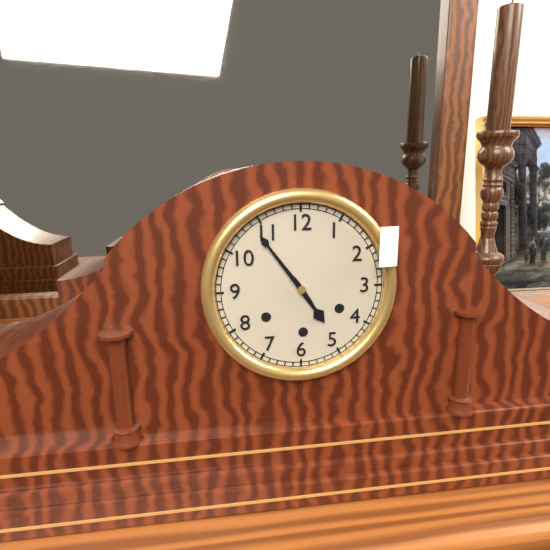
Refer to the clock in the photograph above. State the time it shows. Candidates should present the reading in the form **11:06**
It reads **4:54**
